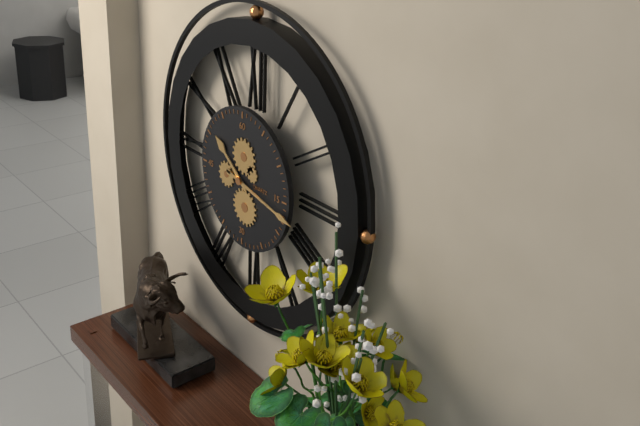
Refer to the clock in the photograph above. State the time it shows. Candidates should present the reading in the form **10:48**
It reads **10:17**
